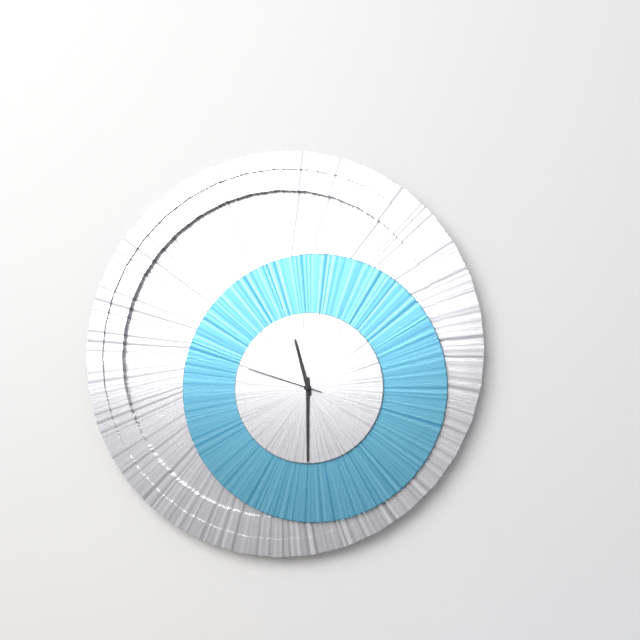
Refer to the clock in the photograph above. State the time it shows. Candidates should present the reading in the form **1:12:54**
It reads **11:30:48**
